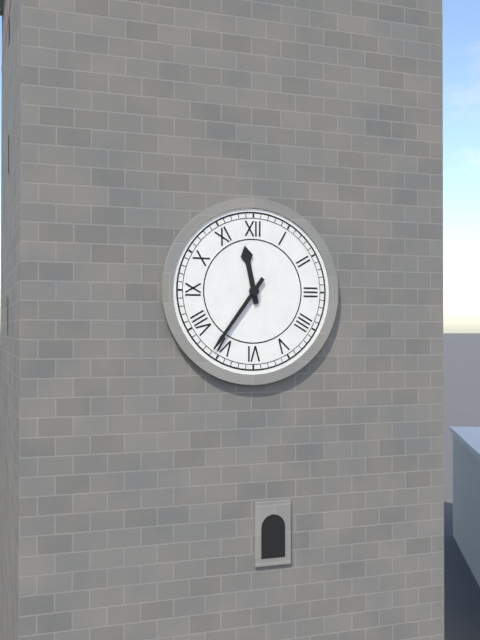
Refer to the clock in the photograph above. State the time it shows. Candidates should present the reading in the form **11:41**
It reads **11:36**
